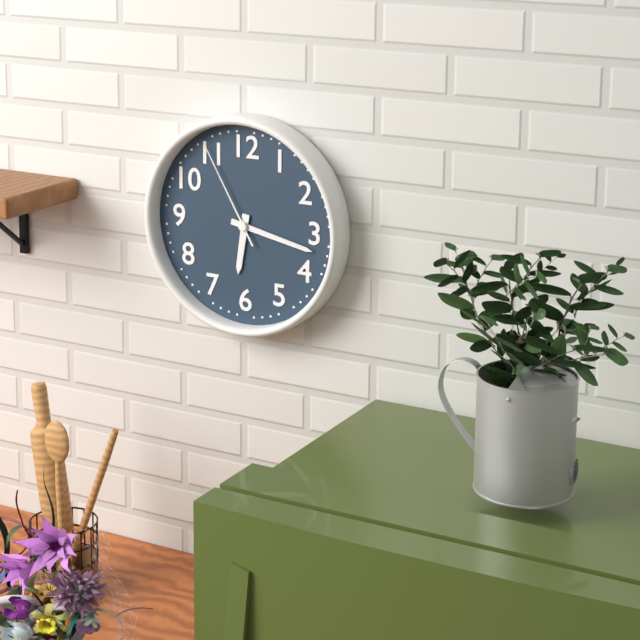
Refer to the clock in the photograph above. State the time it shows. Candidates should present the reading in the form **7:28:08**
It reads **6:17:55**
